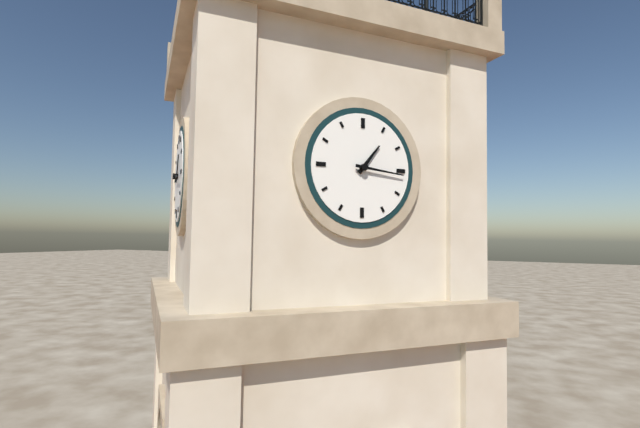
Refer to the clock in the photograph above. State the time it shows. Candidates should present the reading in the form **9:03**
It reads **1:16**
